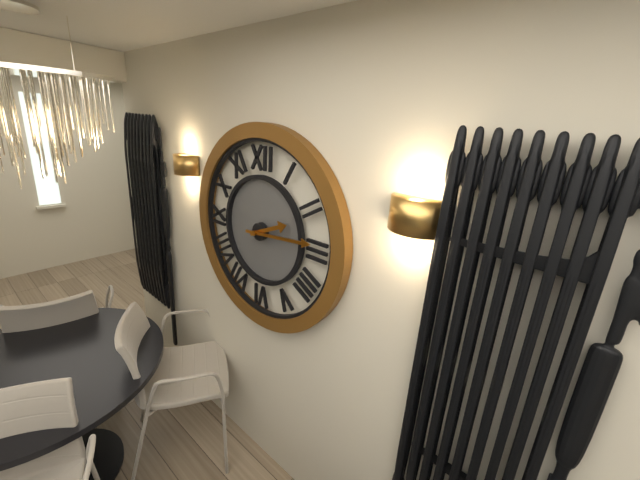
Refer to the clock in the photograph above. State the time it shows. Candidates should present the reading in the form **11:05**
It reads **2:14**
